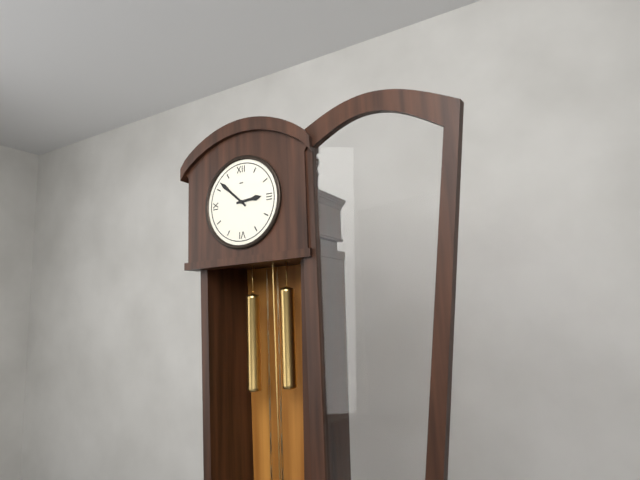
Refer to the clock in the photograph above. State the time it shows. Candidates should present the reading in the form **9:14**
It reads **2:52**
